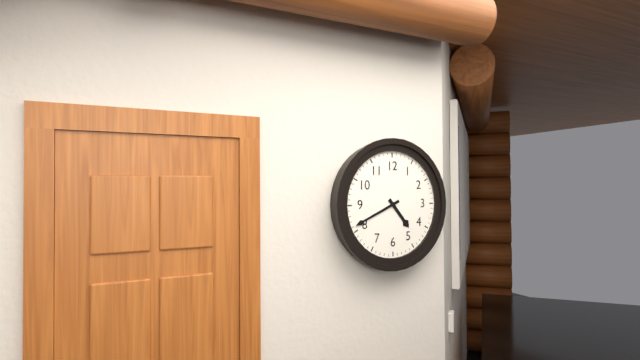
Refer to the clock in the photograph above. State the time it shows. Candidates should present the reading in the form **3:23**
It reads **4:41**
